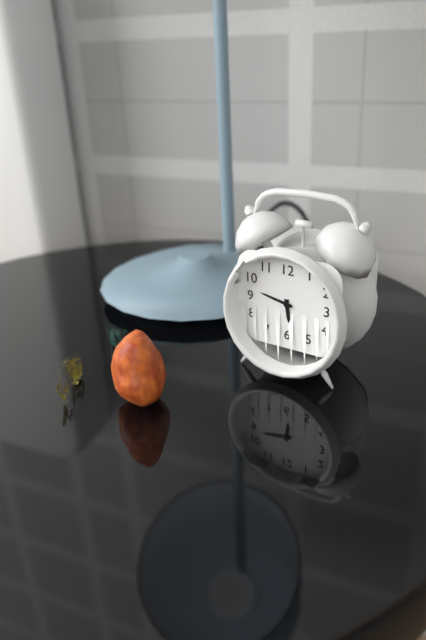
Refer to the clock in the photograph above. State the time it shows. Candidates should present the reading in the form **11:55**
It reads **5:47**
